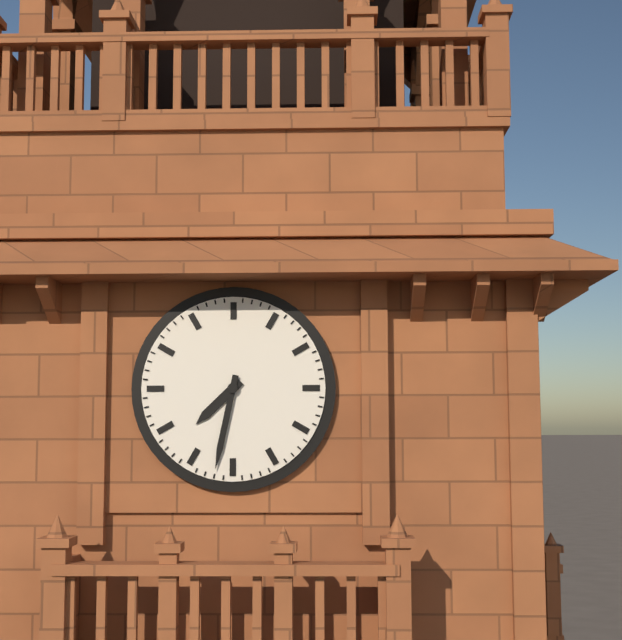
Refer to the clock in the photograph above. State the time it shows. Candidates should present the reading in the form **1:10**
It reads **7:32**
